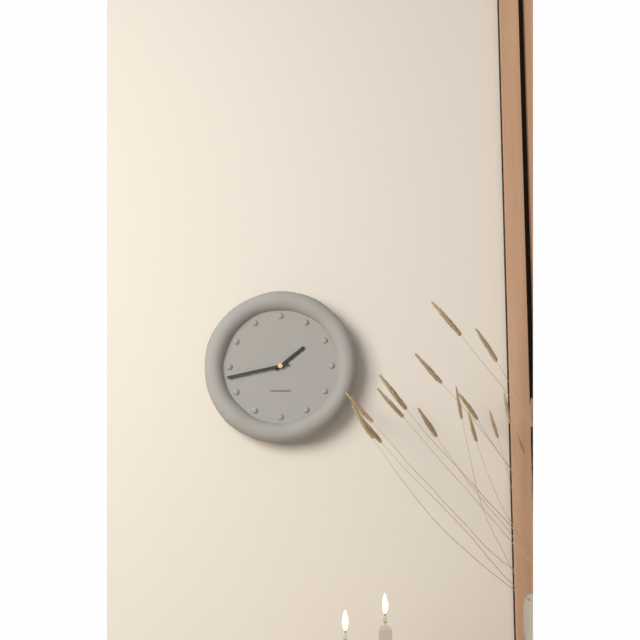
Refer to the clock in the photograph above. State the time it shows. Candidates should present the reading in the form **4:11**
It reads **1:43**
